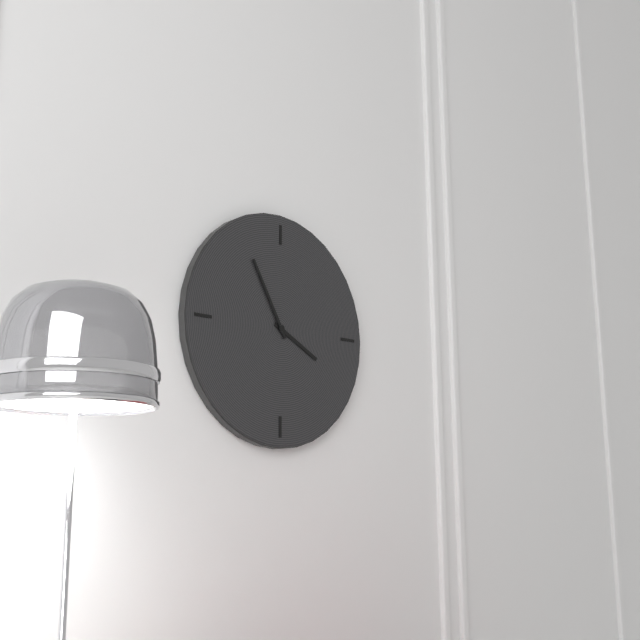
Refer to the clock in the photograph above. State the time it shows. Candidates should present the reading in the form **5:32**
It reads **3:55**
